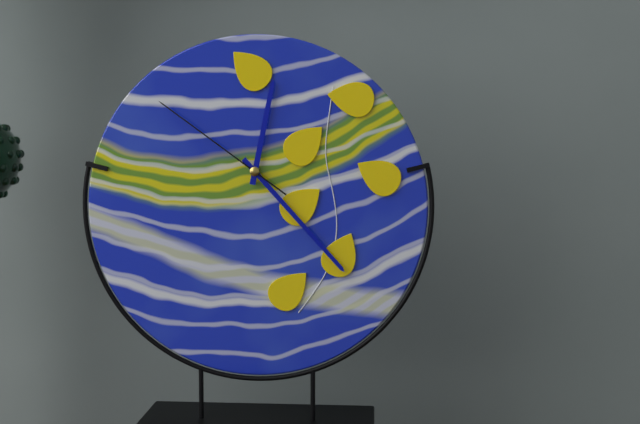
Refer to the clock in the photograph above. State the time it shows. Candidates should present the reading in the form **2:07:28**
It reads **12:23:51**
